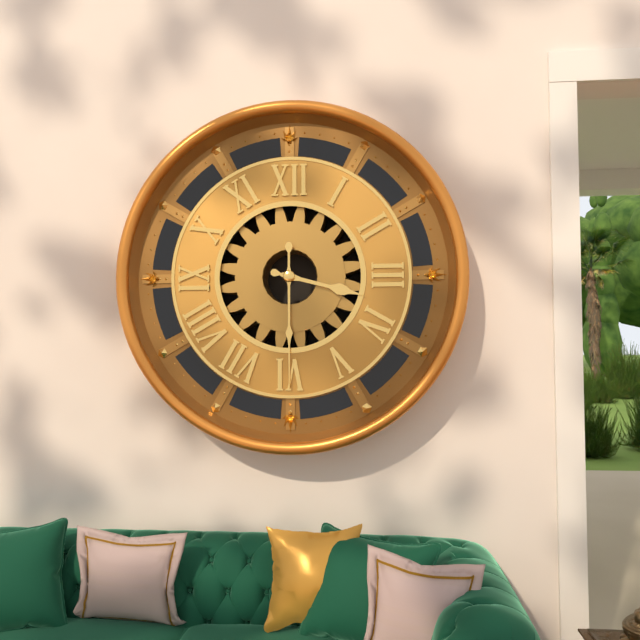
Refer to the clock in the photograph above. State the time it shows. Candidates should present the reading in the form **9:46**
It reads **3:30**
